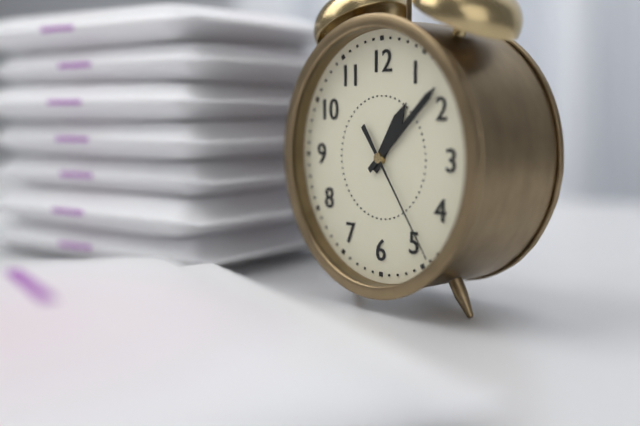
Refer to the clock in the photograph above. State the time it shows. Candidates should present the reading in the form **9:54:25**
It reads **1:08:24**
